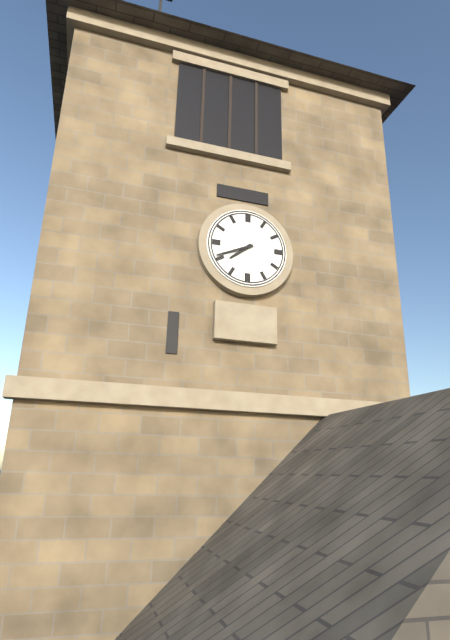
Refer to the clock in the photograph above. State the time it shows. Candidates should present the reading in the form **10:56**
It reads **7:41**
